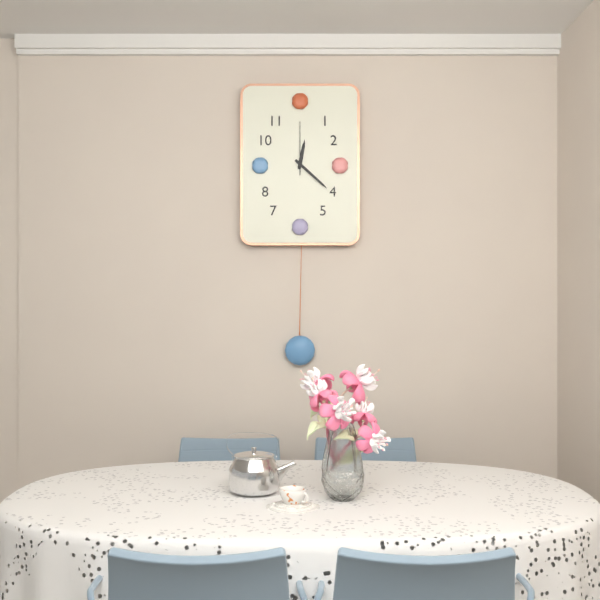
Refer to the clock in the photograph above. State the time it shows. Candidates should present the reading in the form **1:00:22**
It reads **12:22:00**
